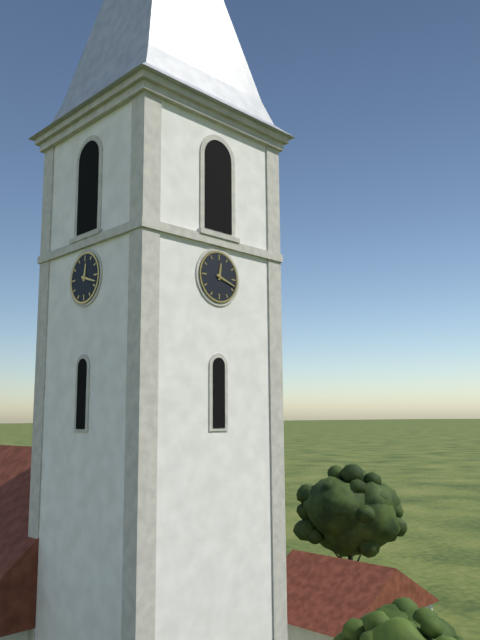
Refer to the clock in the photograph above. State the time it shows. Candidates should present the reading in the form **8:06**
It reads **12:18**
